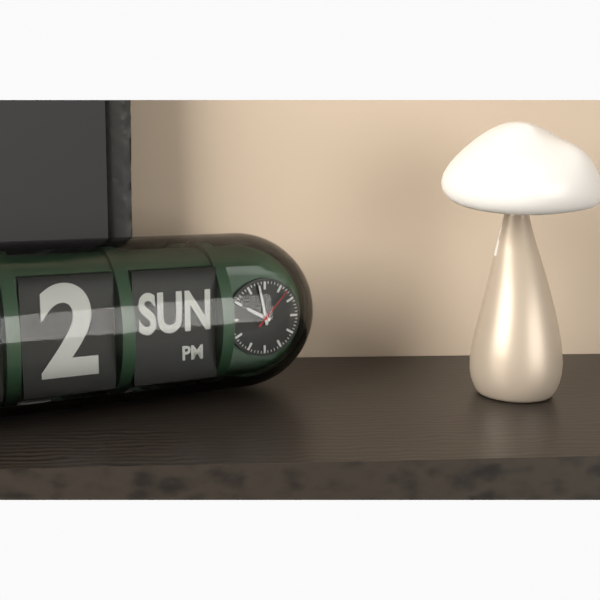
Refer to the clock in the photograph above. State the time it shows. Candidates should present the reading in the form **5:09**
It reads **9:58**
